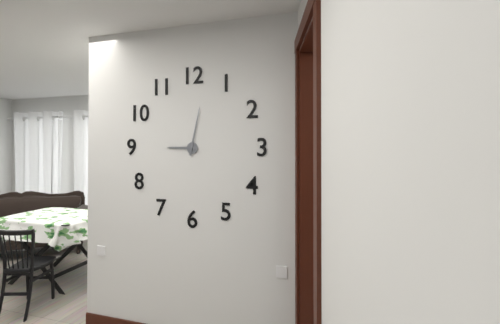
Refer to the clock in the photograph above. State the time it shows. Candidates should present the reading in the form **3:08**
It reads **9:02**
